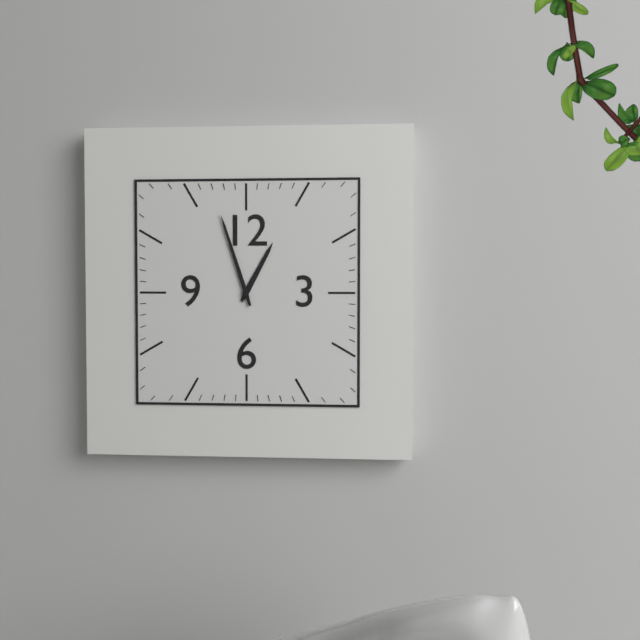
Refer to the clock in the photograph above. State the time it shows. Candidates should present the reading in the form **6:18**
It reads **12:57**
